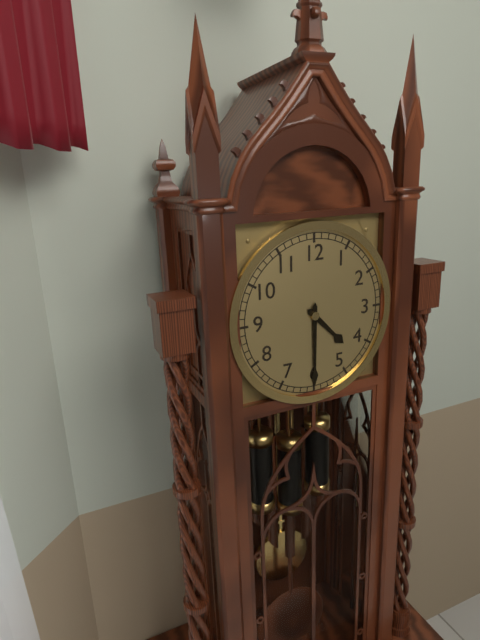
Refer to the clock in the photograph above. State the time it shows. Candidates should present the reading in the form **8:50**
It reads **4:30**
